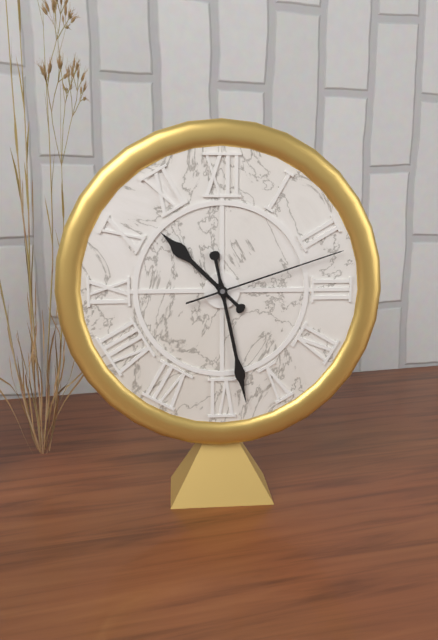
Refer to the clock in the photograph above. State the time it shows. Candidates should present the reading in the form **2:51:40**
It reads **10:28:12**
